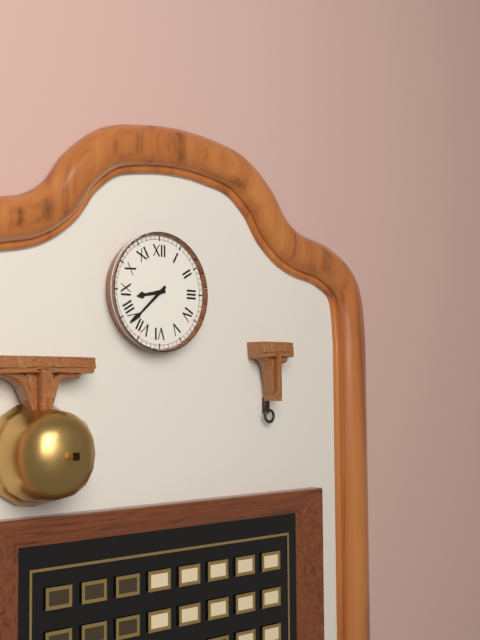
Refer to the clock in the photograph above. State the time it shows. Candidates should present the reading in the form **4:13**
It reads **8:38**
